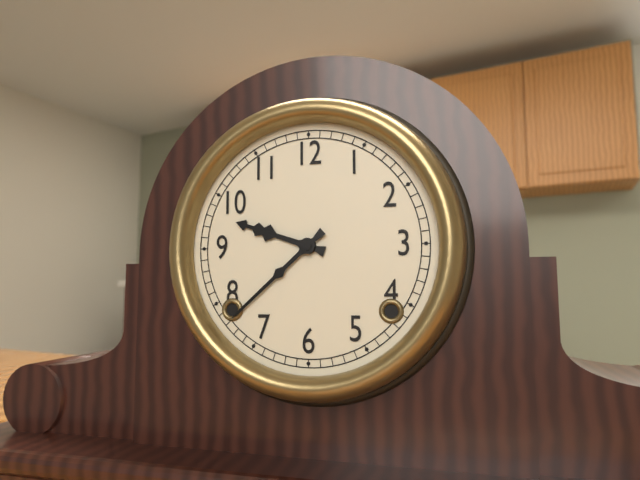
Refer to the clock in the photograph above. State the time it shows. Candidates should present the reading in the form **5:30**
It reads **9:38**
